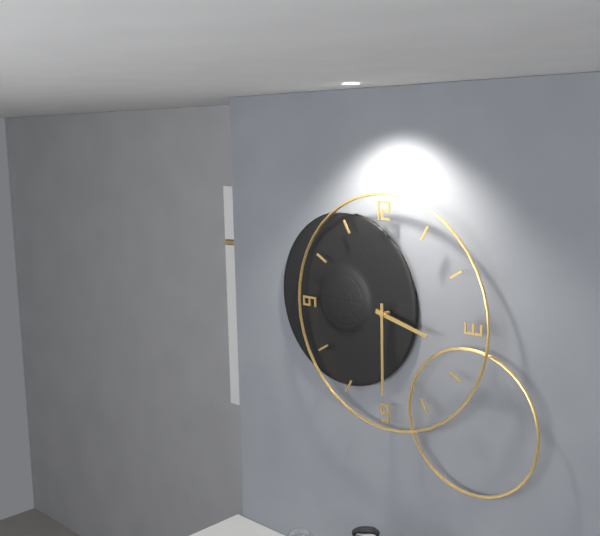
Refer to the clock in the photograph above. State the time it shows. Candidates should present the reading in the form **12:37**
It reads **3:30**
